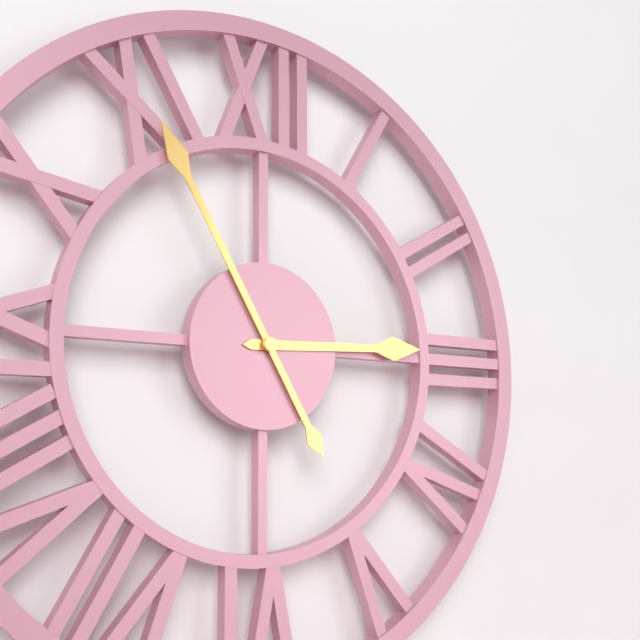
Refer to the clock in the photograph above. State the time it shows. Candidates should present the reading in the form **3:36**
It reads **2:55**
